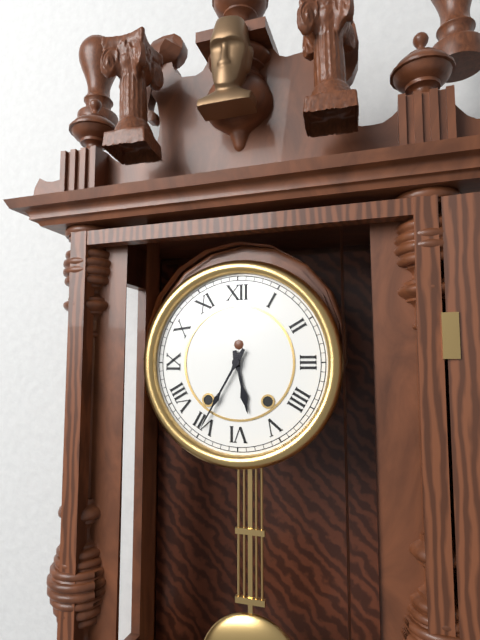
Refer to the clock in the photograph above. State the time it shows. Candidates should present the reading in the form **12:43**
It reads **5:35**
